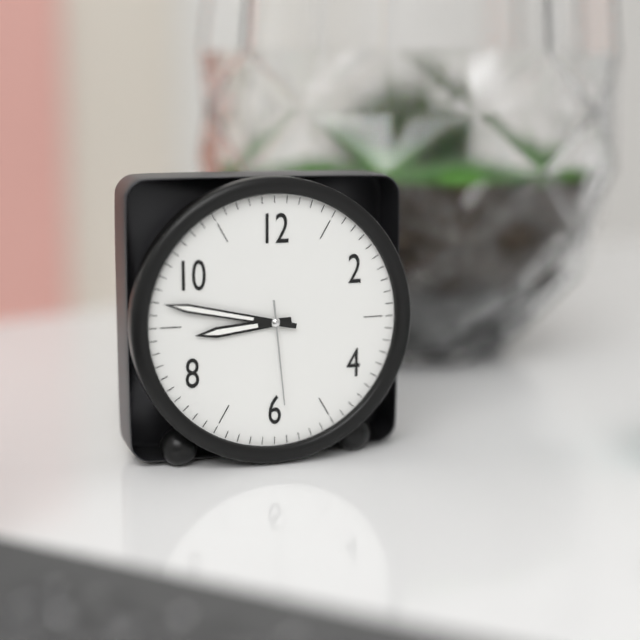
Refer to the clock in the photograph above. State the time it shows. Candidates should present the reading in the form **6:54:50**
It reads **8:47:29**
